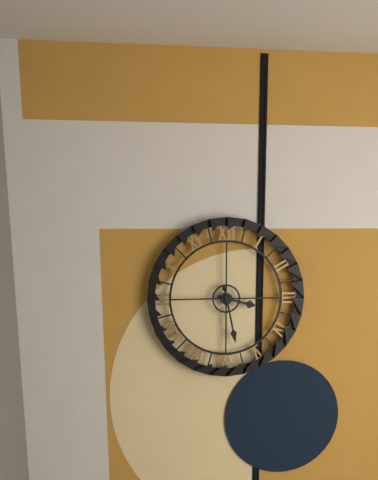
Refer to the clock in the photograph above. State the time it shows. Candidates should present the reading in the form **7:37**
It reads **3:28**
